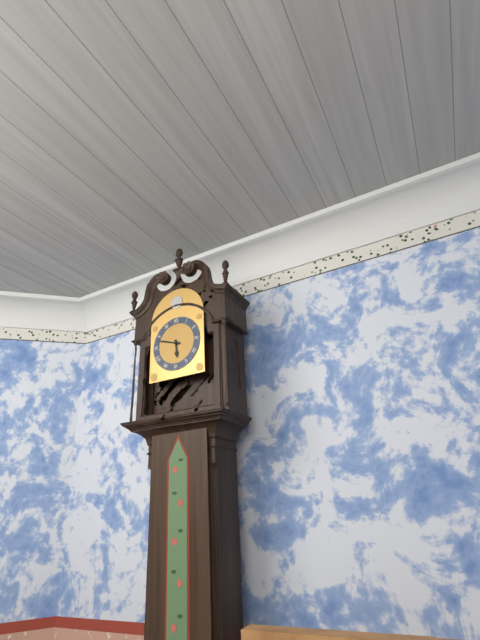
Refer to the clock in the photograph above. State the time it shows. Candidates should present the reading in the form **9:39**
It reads **5:48**
